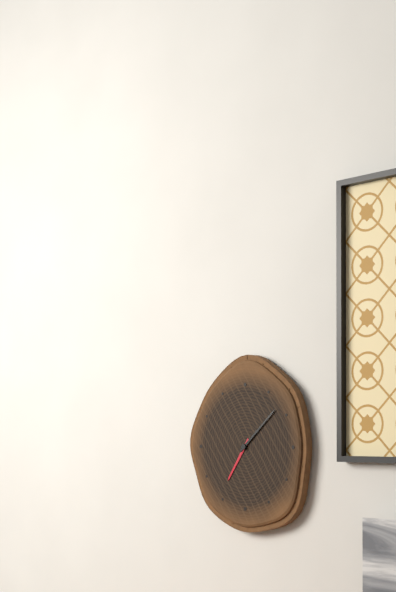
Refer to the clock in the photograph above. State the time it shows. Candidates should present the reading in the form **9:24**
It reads **7:08**
